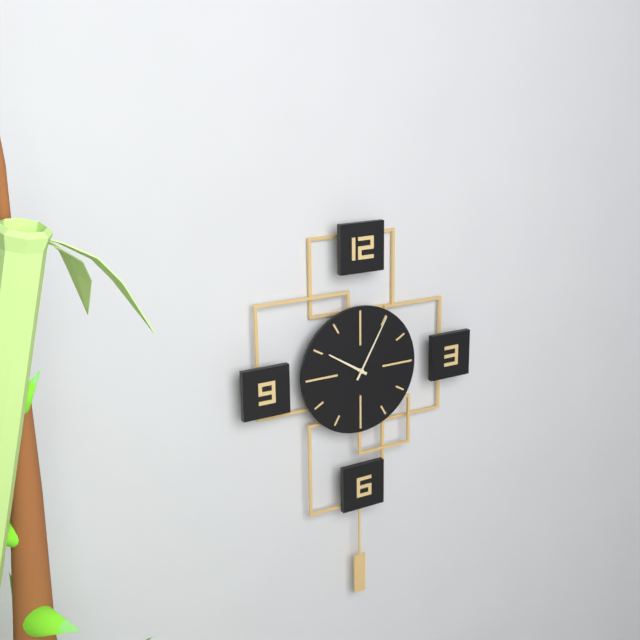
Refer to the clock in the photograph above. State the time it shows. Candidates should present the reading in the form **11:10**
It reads **10:05**
